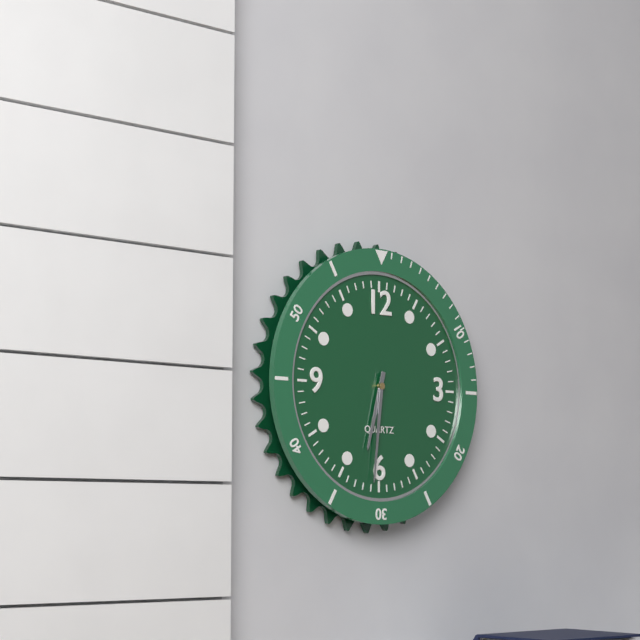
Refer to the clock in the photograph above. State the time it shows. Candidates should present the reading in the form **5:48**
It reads **6:31**
